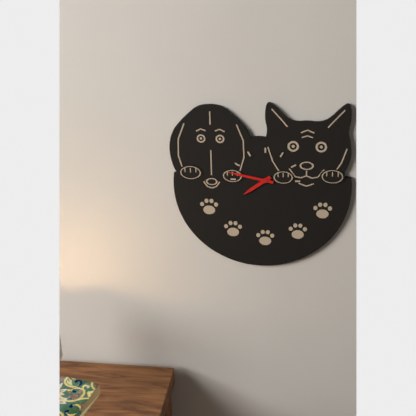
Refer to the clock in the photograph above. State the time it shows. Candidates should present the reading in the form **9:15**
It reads **7:47**
